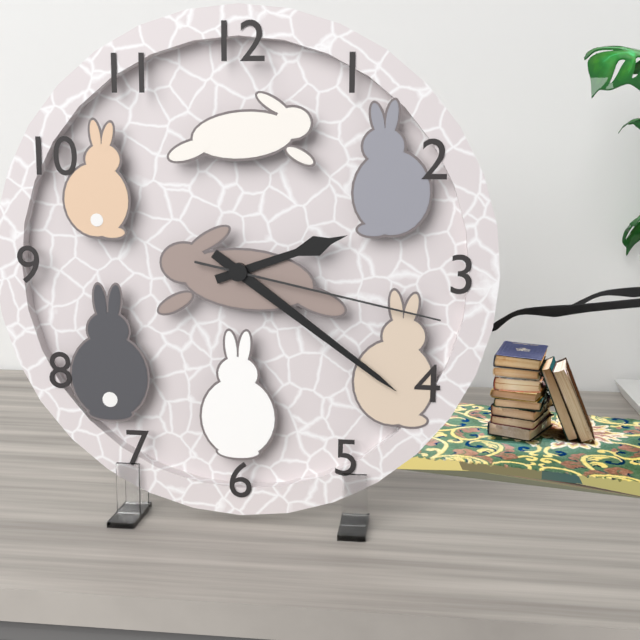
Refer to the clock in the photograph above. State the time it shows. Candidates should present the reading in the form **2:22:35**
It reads **2:21:17**
